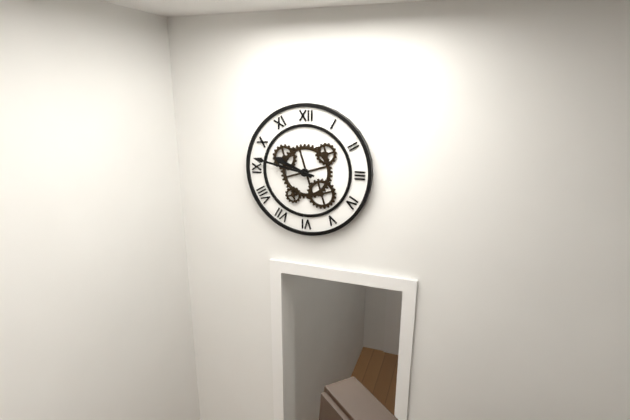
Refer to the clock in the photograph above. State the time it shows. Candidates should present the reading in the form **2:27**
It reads **9:47**
